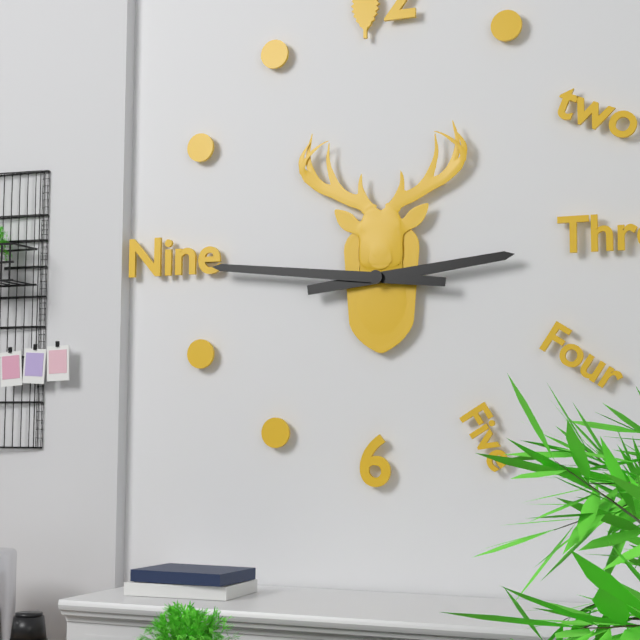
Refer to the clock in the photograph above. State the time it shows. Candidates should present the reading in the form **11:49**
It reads **2:46**
